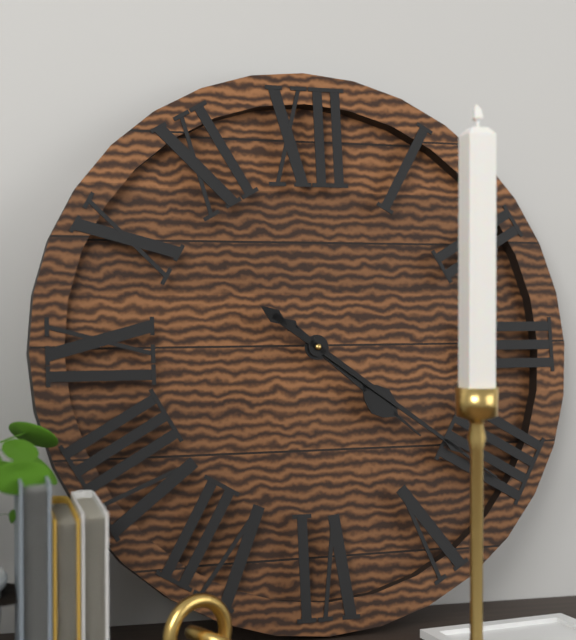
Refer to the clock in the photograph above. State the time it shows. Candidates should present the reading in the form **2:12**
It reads **4:21**
